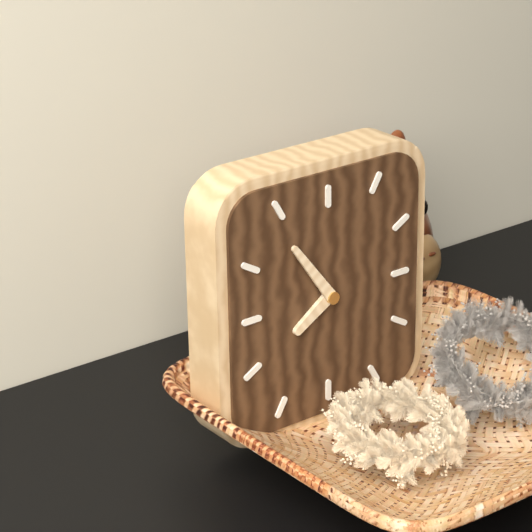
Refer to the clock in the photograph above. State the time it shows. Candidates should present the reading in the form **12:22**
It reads **7:54**
